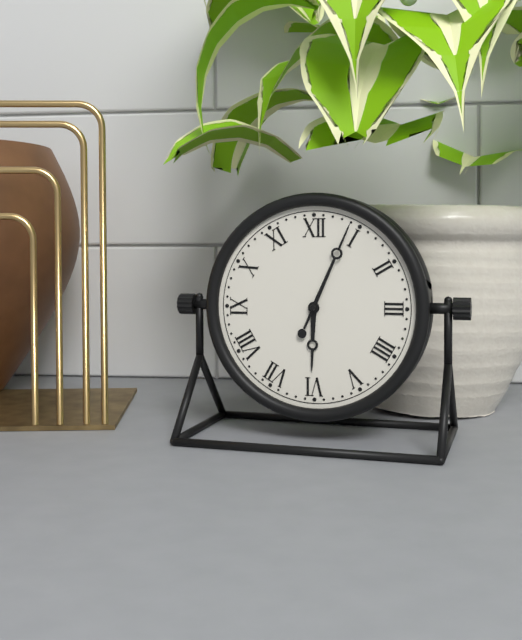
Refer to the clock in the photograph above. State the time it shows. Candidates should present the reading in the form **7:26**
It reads **6:04**
